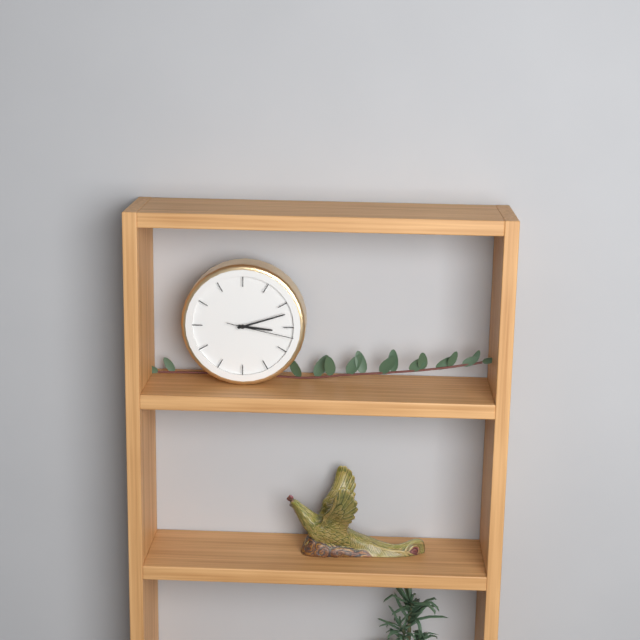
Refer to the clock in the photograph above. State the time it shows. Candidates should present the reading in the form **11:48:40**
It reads **3:12:17**
